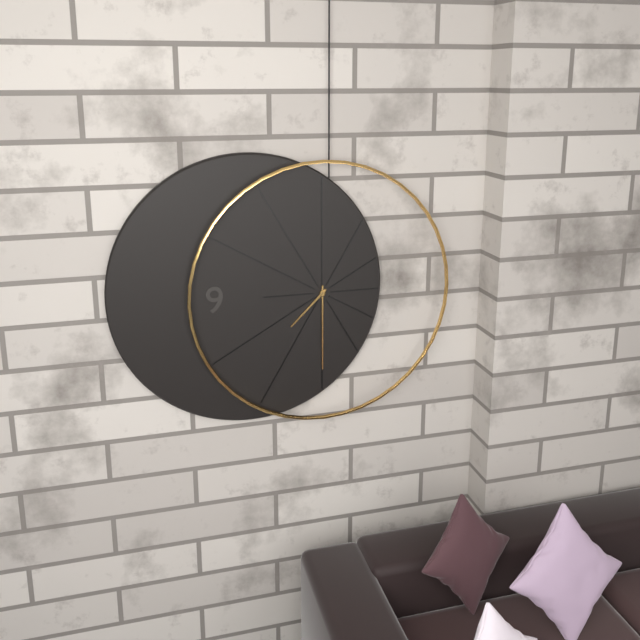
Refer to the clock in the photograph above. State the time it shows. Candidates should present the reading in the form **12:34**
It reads **7:30**
